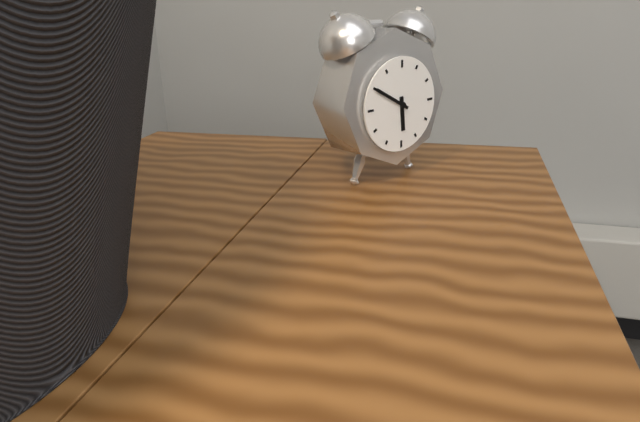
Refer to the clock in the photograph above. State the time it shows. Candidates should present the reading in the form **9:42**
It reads **5:50**
